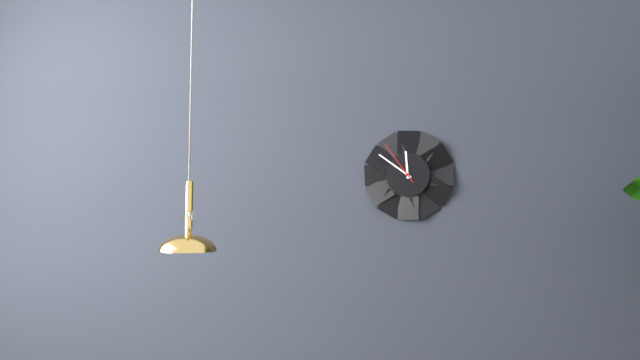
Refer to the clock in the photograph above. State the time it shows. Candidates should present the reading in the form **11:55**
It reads **11:51**
